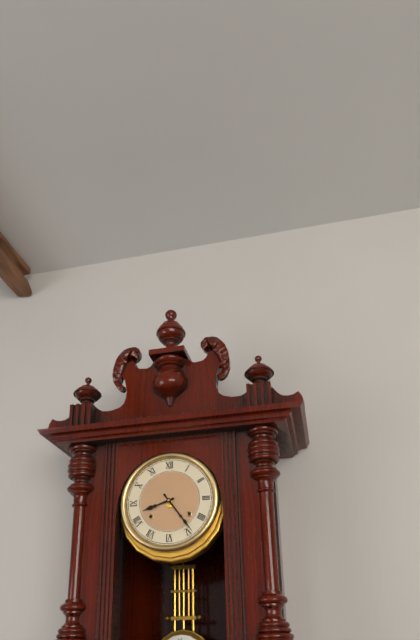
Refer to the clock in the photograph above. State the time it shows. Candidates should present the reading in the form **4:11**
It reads **8:24**
